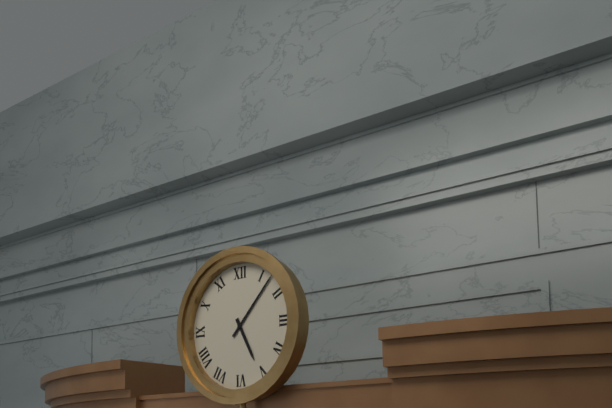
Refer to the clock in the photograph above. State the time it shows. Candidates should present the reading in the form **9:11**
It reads **5:07**
